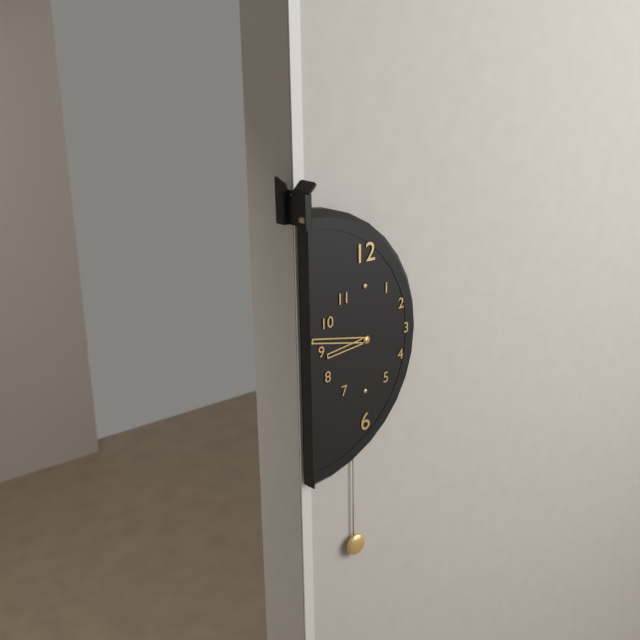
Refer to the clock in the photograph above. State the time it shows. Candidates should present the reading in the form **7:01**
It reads **8:47**
